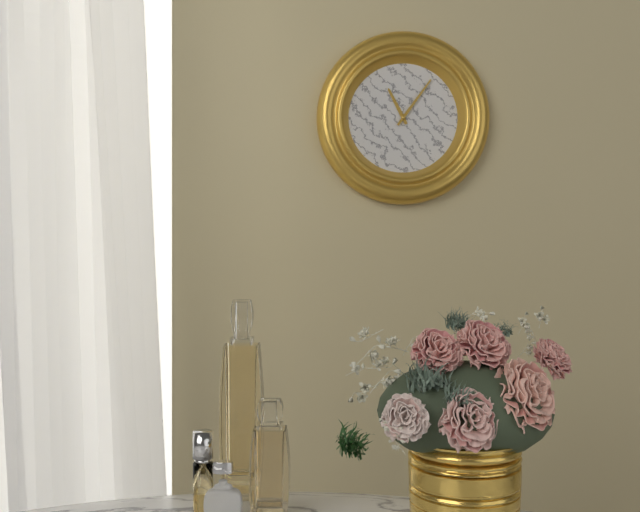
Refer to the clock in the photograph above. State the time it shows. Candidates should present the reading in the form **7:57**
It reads **11:06**
